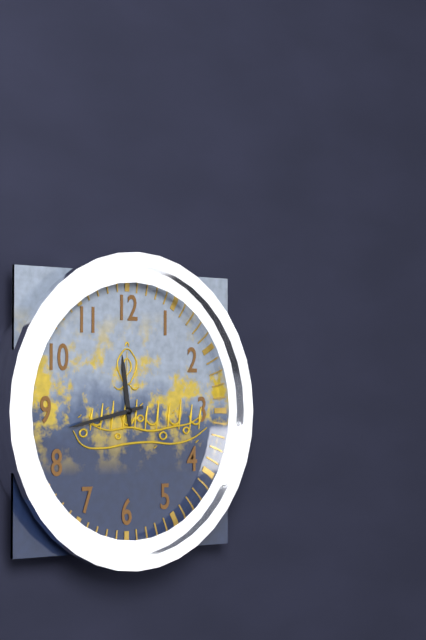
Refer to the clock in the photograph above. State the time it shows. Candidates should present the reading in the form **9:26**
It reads **11:43**
